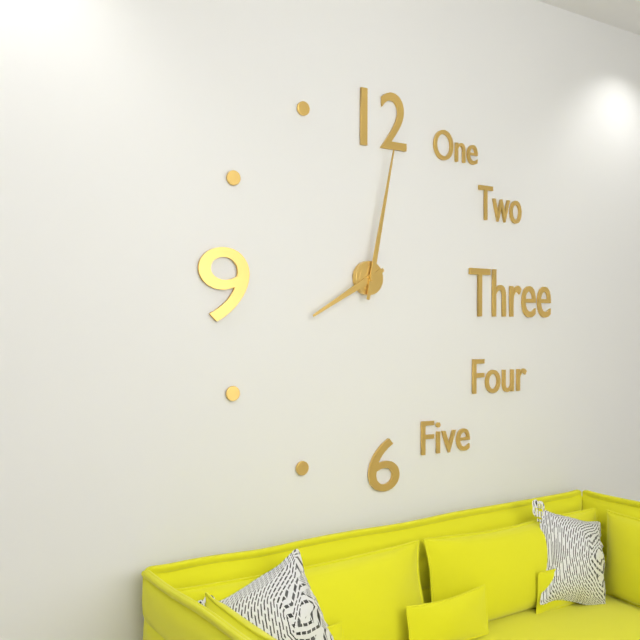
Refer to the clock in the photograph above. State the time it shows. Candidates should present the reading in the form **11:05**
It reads **8:02**
